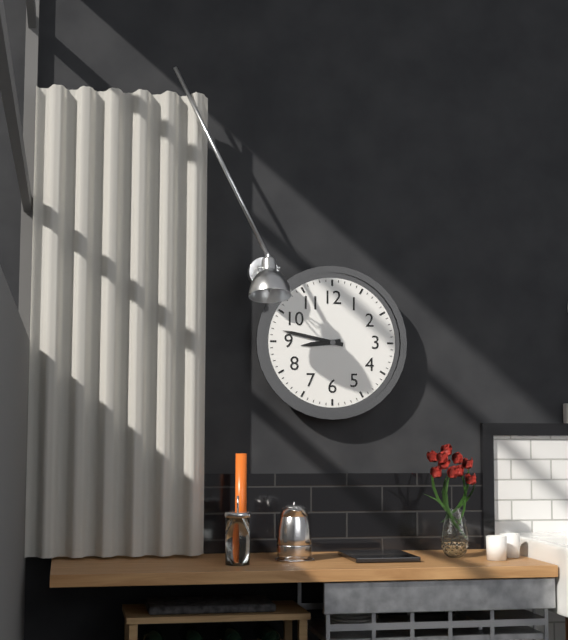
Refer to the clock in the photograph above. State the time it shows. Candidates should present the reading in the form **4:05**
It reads **8:47**
